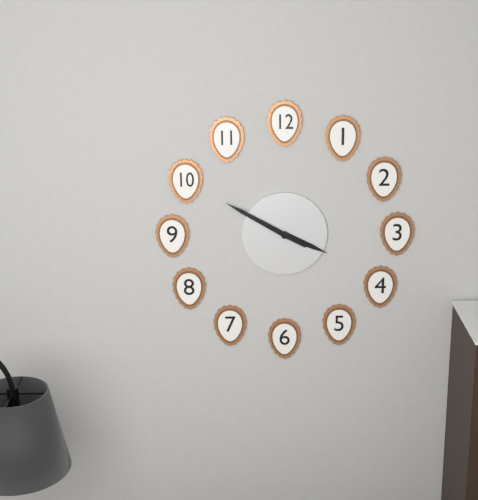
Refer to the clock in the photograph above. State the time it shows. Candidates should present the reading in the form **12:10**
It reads **3:50**
